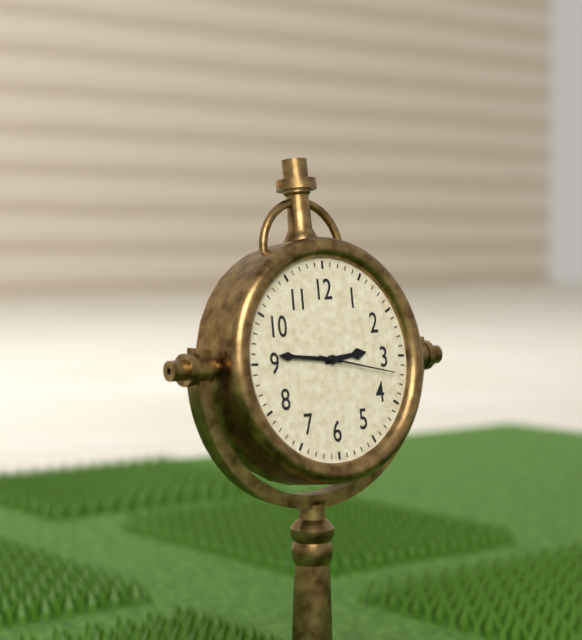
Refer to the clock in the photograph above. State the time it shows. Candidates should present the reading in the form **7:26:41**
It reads **2:46:17**
